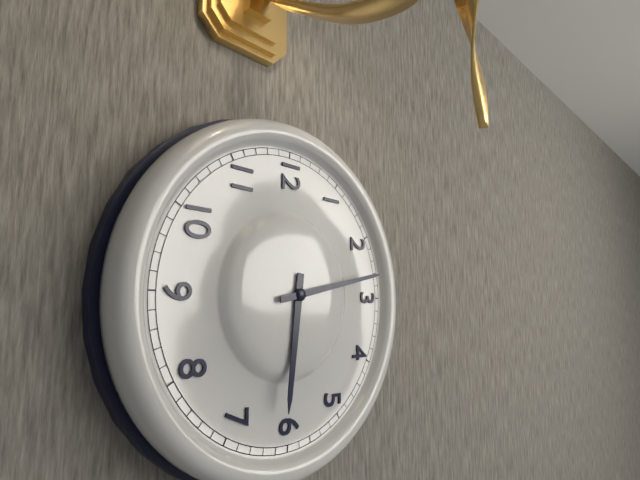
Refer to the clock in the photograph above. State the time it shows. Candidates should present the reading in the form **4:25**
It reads **6:13**
